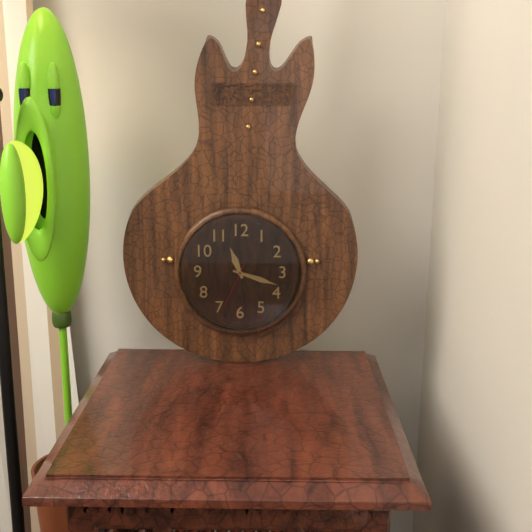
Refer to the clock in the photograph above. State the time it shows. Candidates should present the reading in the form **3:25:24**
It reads **11:18:34**
